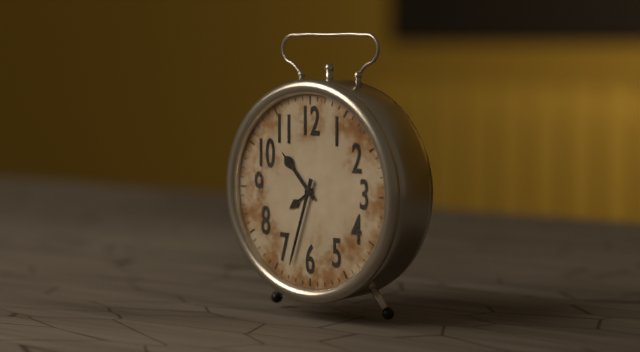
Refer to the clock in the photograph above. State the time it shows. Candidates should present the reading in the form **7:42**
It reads **10:33**
